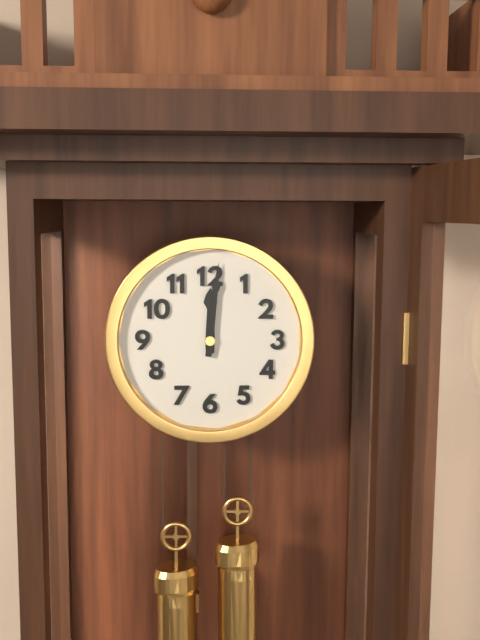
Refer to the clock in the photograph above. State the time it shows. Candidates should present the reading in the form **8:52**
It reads **12:01**
